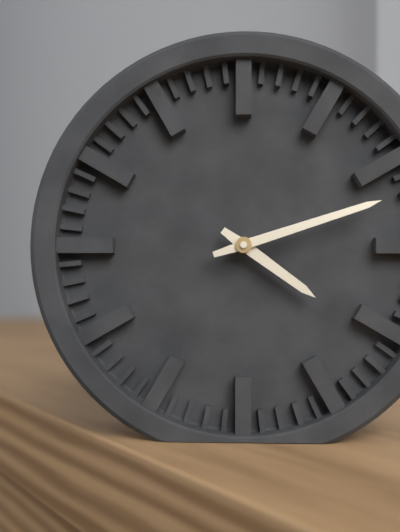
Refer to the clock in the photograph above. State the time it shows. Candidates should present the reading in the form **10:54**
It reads **4:12**
